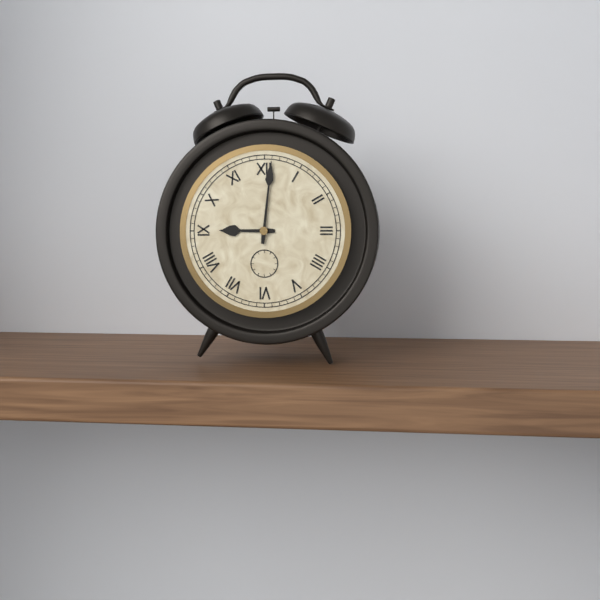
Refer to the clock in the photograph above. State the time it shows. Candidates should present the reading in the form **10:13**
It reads **9:01**
